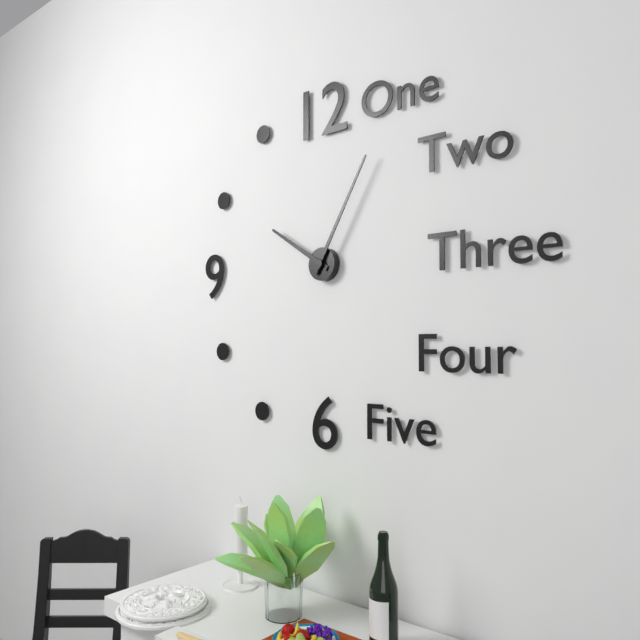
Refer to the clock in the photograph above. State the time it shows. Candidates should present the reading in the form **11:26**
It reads **10:05**
